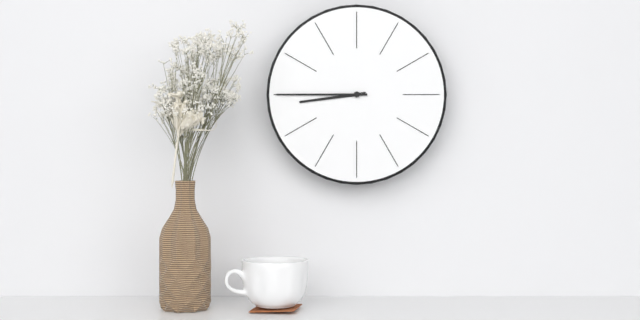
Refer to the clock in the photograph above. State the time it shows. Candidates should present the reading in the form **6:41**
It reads **8:45**
